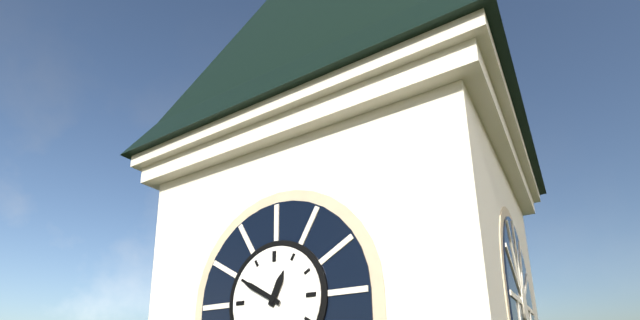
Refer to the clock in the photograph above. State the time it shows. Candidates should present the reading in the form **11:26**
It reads **12:50**
